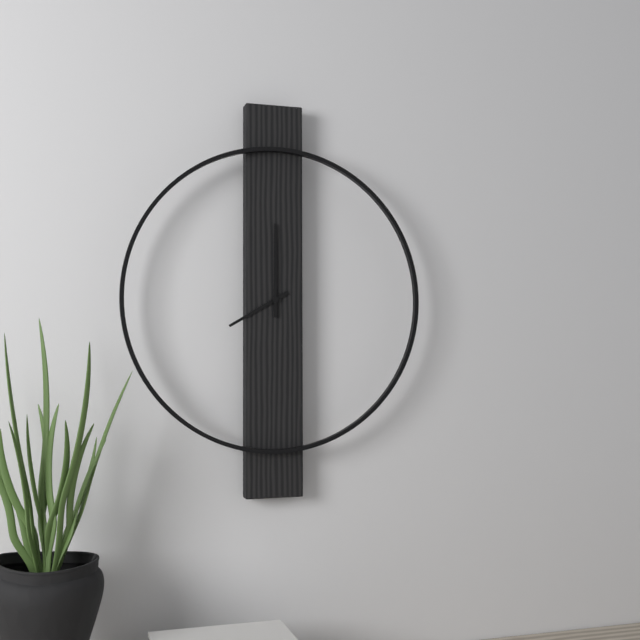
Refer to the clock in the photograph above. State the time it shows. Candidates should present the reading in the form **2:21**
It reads **8:00**
